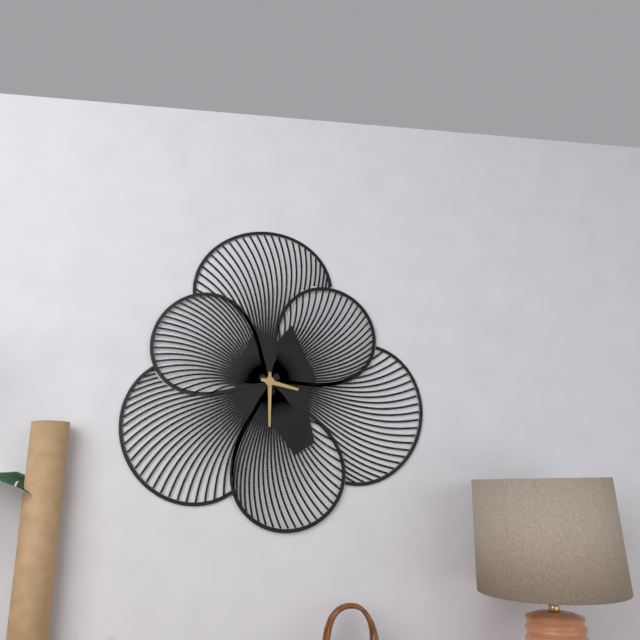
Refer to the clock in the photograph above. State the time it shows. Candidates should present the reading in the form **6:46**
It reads **3:30**
